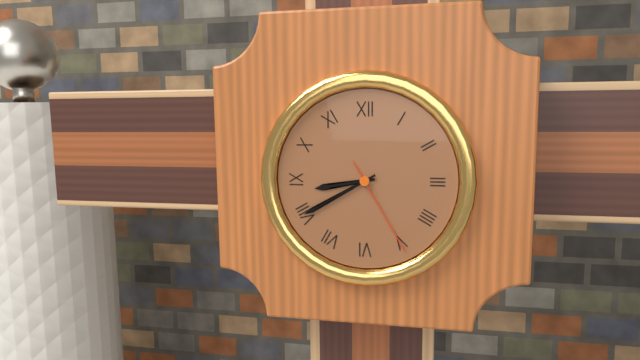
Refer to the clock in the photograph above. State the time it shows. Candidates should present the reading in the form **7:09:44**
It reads **8:40:25**
